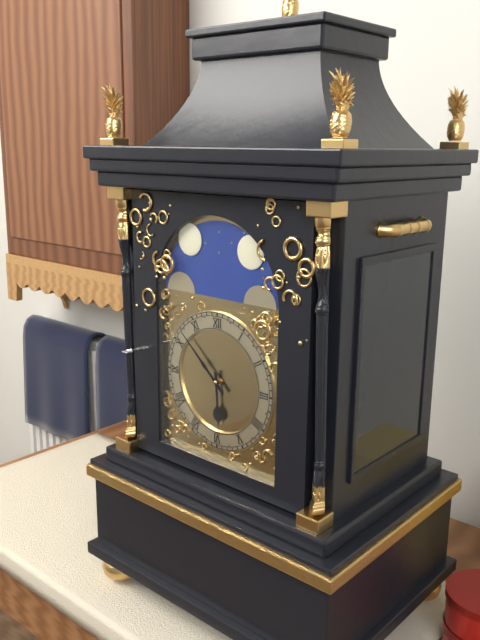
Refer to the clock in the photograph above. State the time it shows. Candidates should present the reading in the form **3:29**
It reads **5:52**
